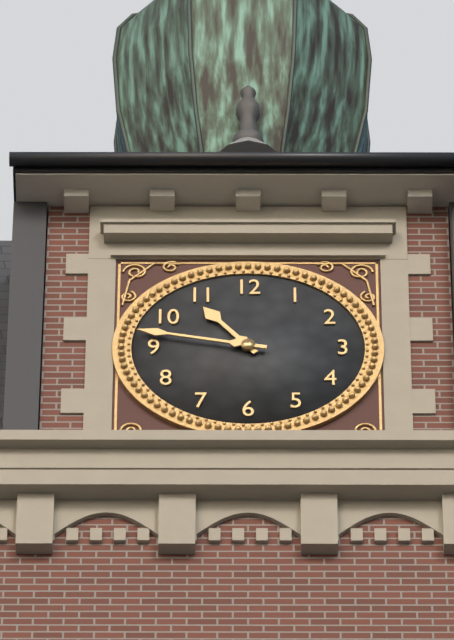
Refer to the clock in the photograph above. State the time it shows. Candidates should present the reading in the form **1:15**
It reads **10:47**
